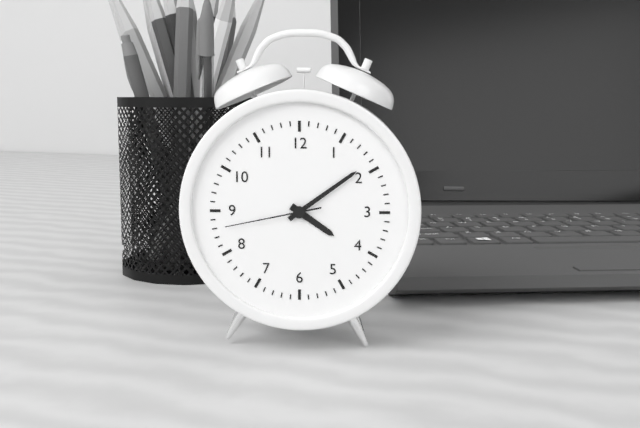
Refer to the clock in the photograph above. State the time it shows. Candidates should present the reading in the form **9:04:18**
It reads **4:09:43**
